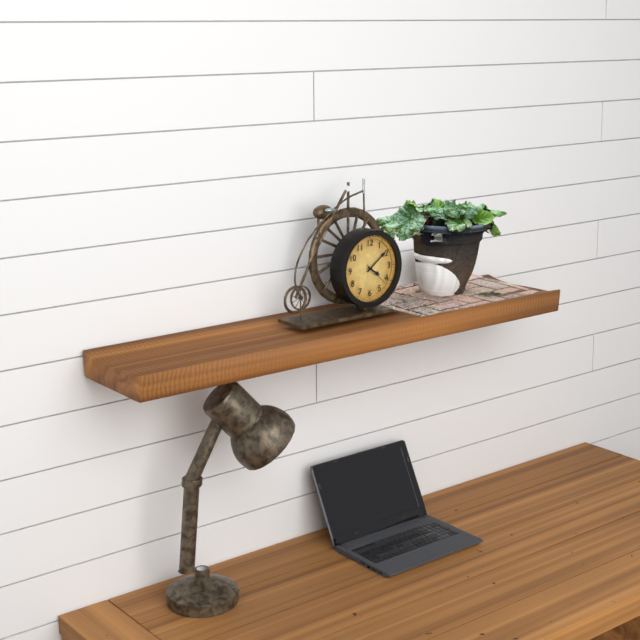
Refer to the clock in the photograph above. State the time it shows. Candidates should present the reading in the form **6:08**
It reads **4:09**
